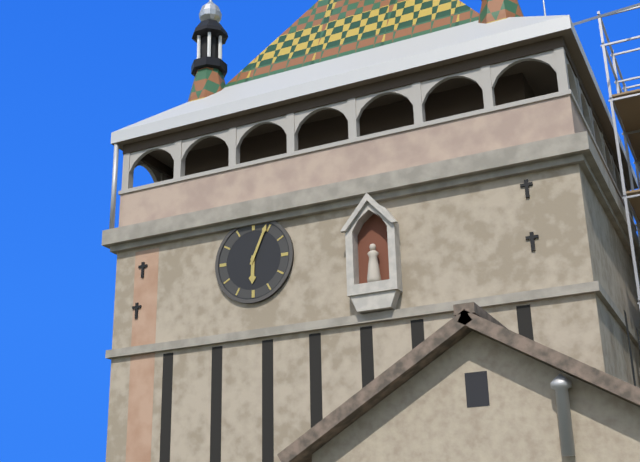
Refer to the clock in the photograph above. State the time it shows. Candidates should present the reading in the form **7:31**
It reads **6:04**
